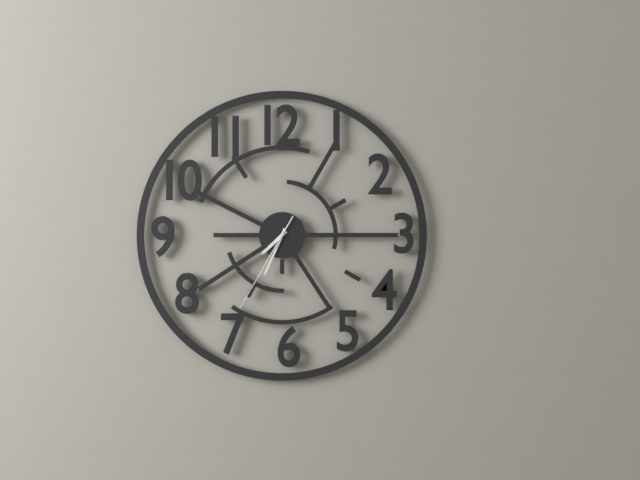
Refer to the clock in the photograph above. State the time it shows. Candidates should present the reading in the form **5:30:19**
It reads **7:34:35**
